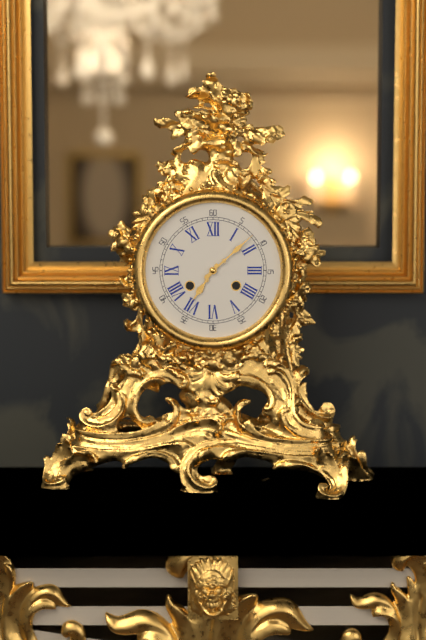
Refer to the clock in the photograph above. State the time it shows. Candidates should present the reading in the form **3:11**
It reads **7:08**
